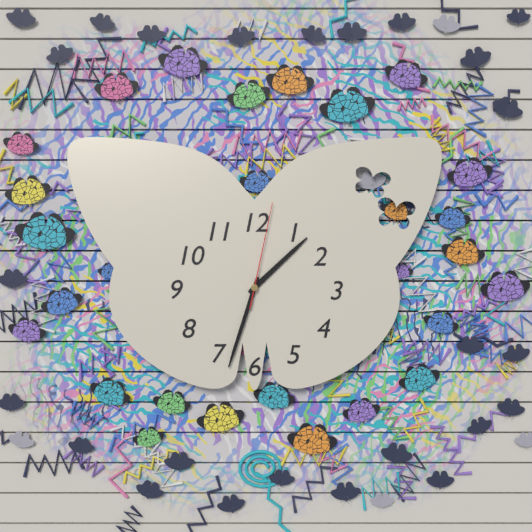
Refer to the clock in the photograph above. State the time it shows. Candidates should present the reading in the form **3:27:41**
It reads **1:33:02**
